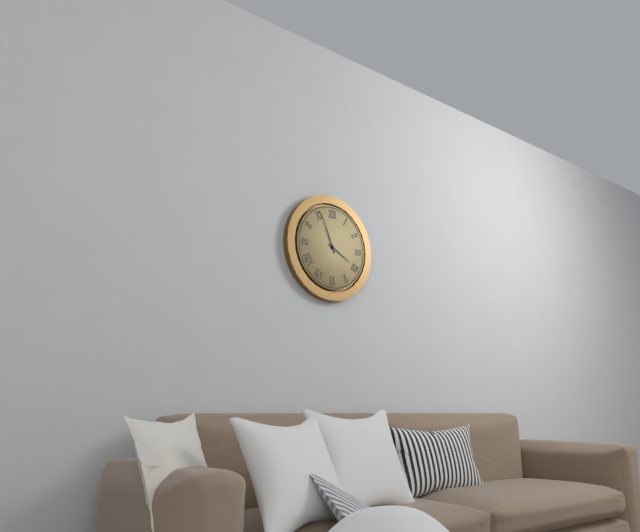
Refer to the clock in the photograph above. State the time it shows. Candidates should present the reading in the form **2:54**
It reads **3:56**
